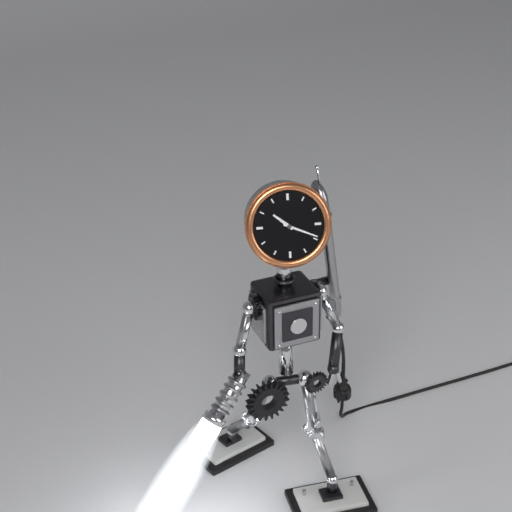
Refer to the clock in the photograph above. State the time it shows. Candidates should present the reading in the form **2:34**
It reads **10:19**
